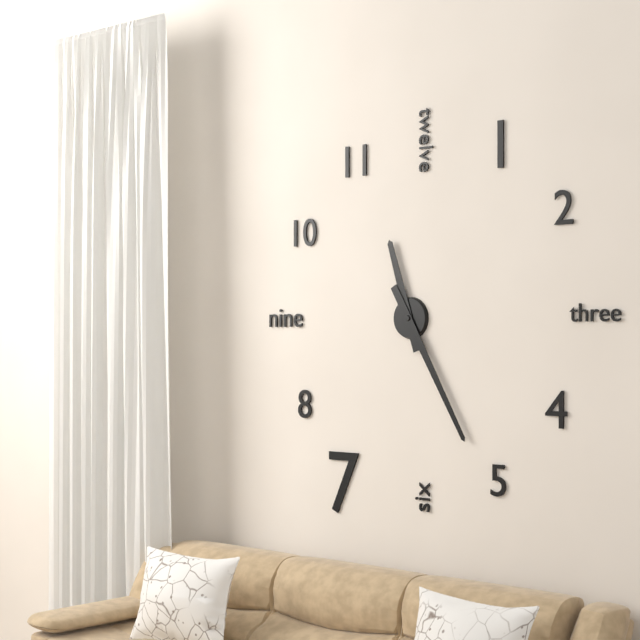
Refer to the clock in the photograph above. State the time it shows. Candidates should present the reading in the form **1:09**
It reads **11:25**
